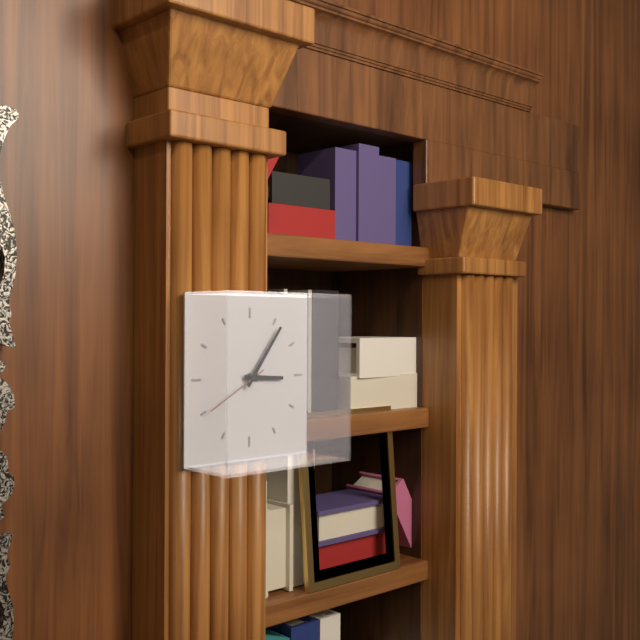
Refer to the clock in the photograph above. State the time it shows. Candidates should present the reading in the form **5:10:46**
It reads **3:06:40**
